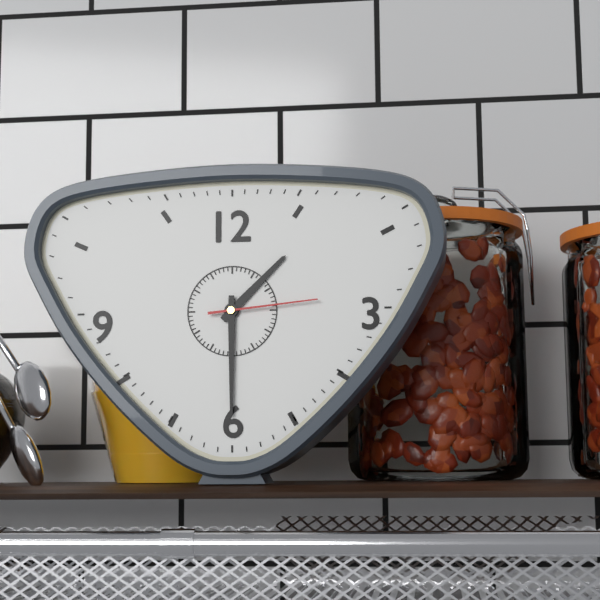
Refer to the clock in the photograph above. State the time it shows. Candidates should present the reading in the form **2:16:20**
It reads **1:30:14**
